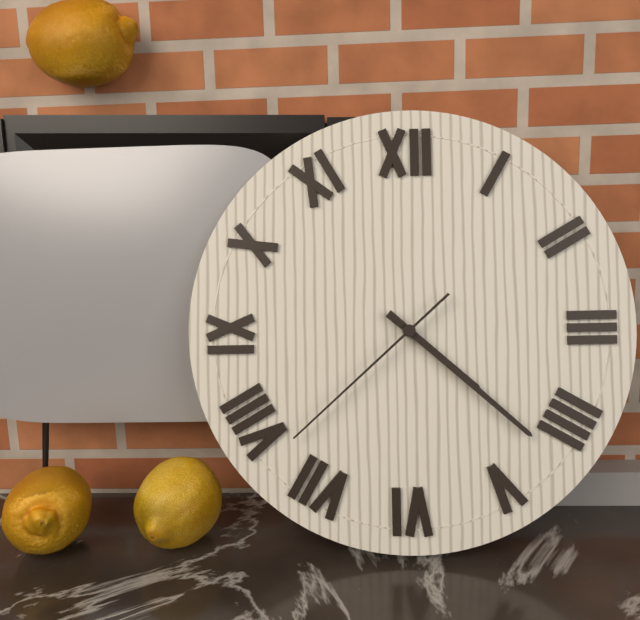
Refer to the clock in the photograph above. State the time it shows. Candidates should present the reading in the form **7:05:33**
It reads **4:22:38**
